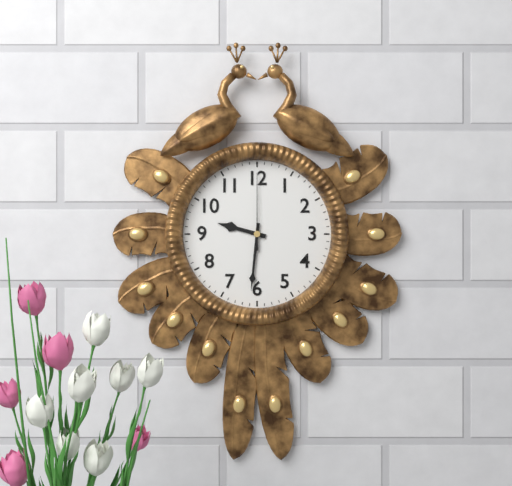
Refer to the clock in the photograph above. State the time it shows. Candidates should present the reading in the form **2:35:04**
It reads **9:31:00**
